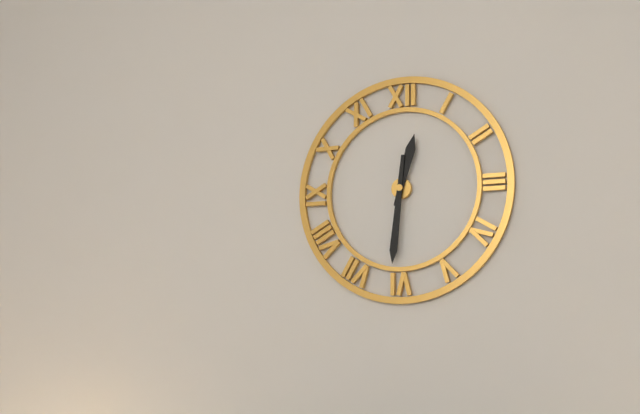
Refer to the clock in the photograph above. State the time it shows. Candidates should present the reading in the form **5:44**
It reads **12:31**
